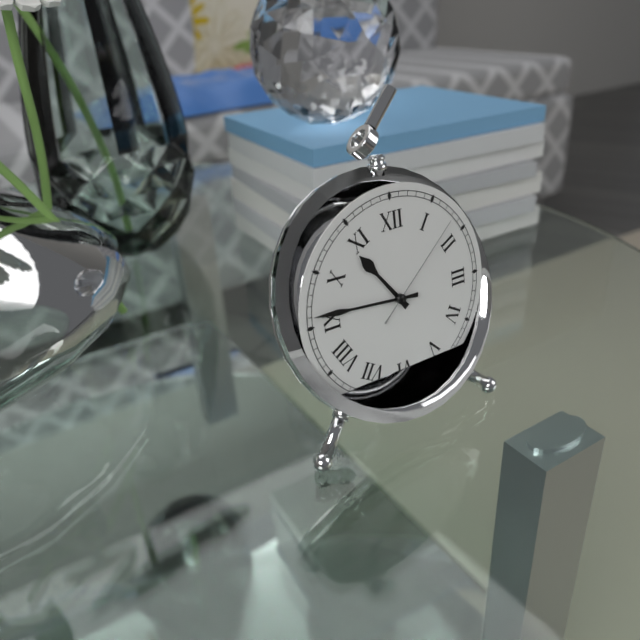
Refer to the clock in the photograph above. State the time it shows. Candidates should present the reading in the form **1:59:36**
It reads **10:46:08**
